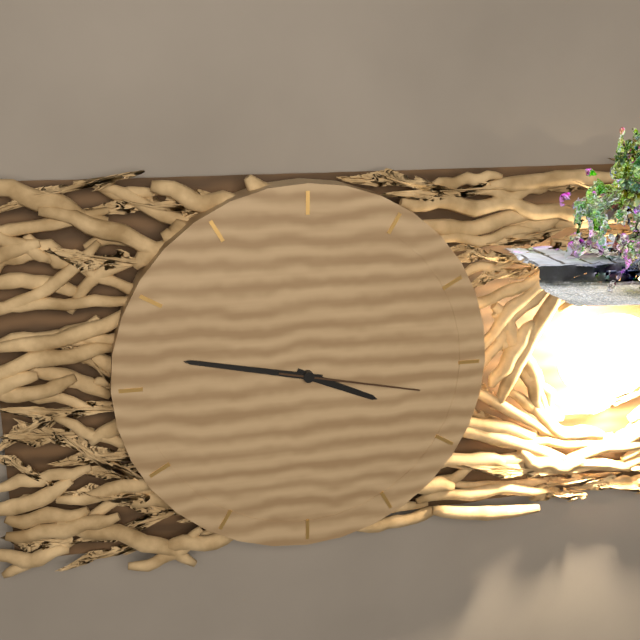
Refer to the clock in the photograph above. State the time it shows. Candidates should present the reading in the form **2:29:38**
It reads **3:47:17**
